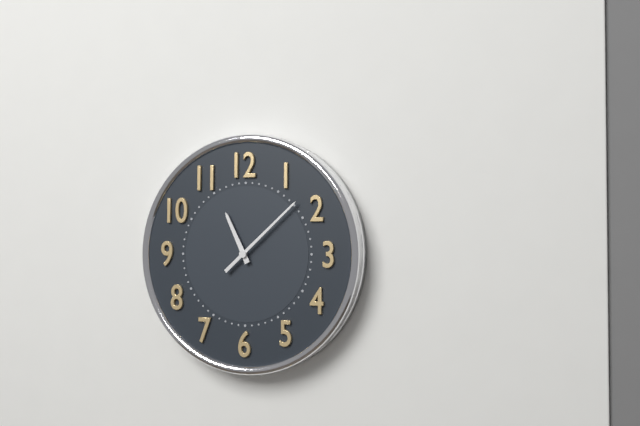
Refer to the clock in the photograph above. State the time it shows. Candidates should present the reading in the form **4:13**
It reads **11:08**
